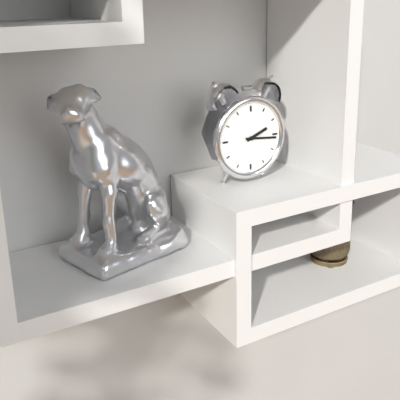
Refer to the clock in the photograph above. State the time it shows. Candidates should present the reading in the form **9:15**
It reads **2:16**
